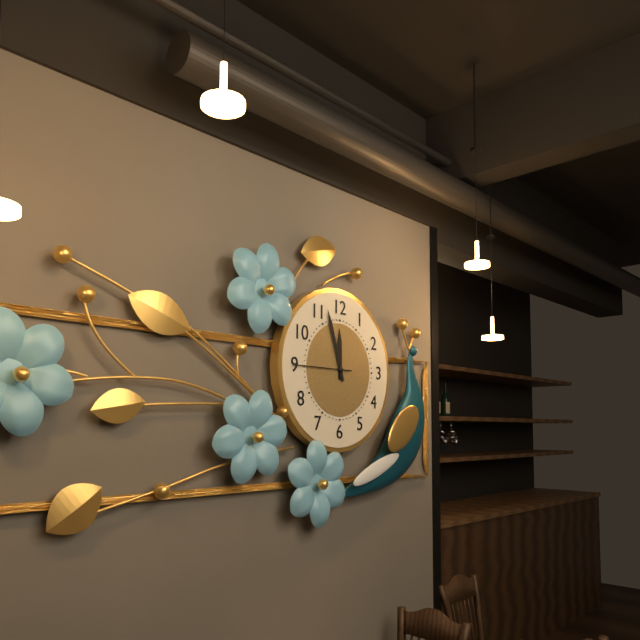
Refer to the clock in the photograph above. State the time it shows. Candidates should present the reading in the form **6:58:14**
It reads **11:57:45**
